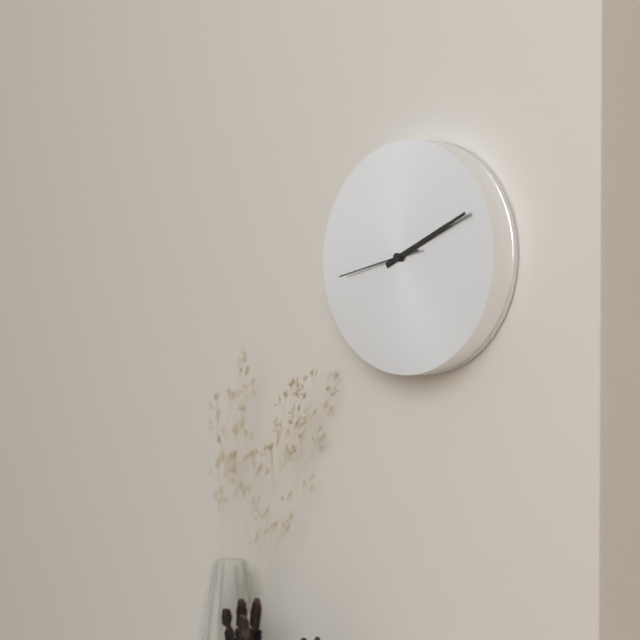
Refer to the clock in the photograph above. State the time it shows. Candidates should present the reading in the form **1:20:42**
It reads **2:11:43**
